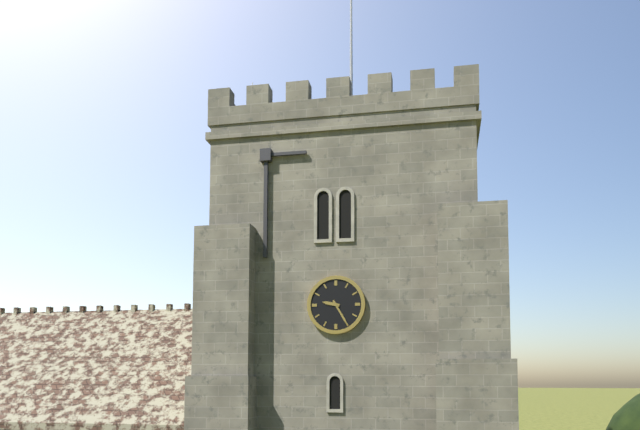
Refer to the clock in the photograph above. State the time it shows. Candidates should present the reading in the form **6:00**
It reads **9:25**
